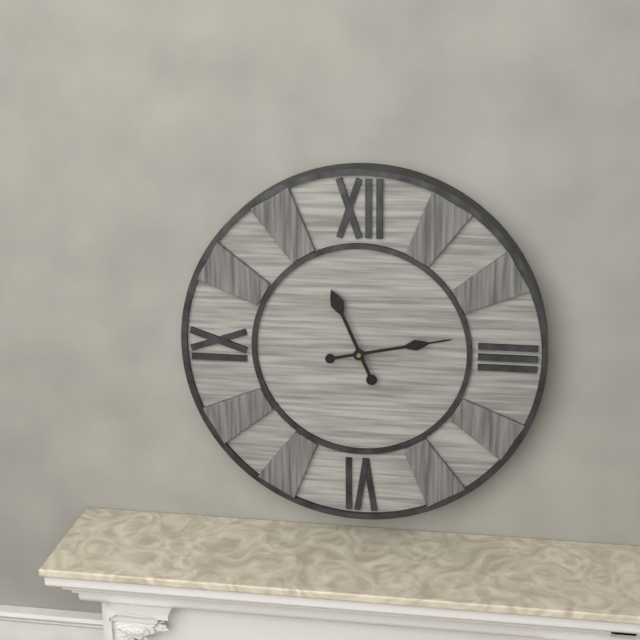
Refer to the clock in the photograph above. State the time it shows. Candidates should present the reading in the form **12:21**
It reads **11:13**
